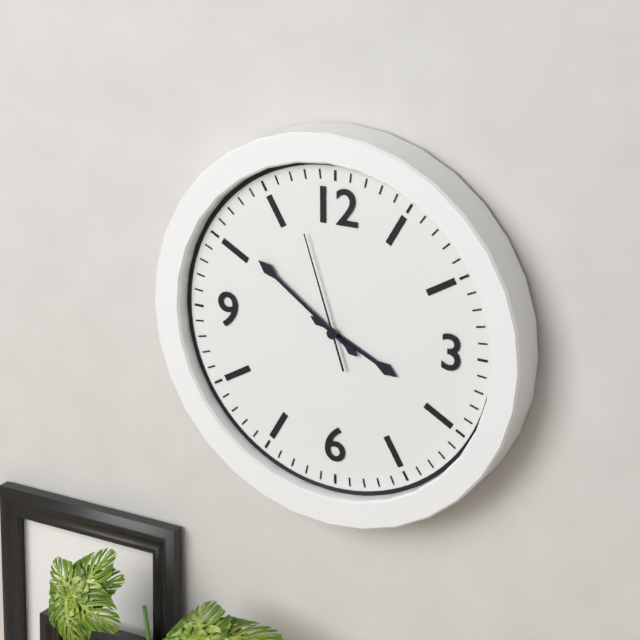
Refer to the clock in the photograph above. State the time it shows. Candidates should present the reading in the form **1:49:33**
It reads **3:51:57**
